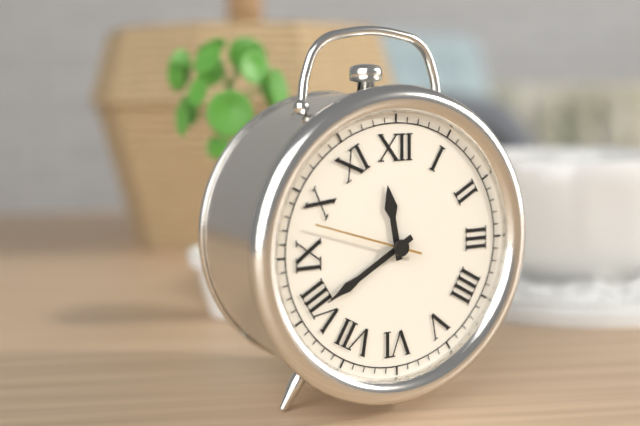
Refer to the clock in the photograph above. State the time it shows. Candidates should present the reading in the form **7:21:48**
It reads **11:40:48**
